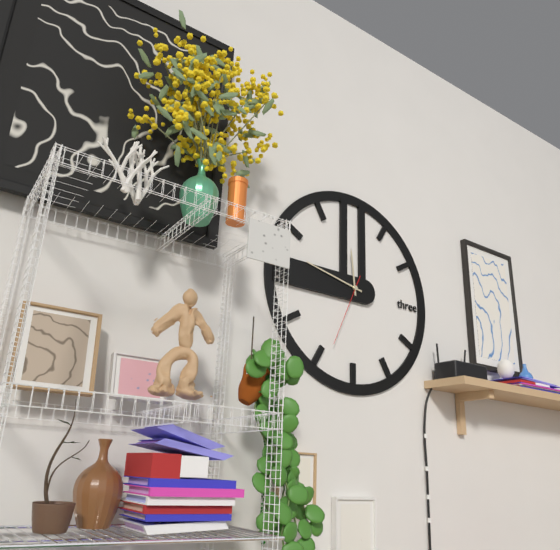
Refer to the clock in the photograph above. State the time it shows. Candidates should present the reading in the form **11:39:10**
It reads **11:47:34**
